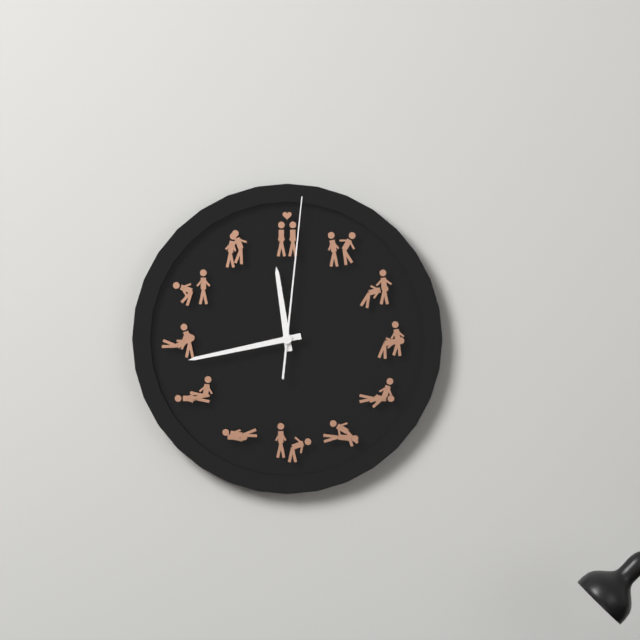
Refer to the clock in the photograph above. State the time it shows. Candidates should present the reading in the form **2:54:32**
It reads **11:43:01**
